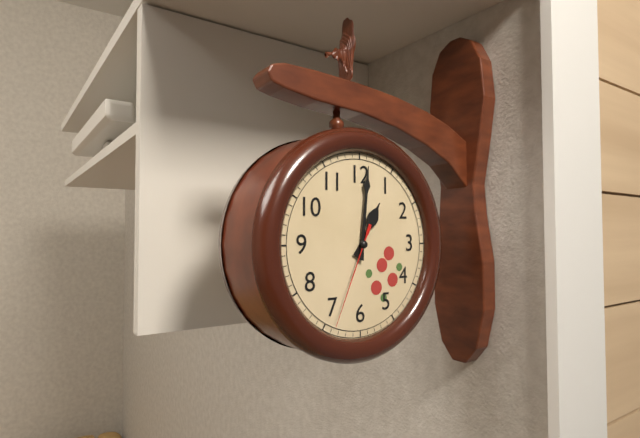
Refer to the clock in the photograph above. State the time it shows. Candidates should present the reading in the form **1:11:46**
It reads **1:01:34**
